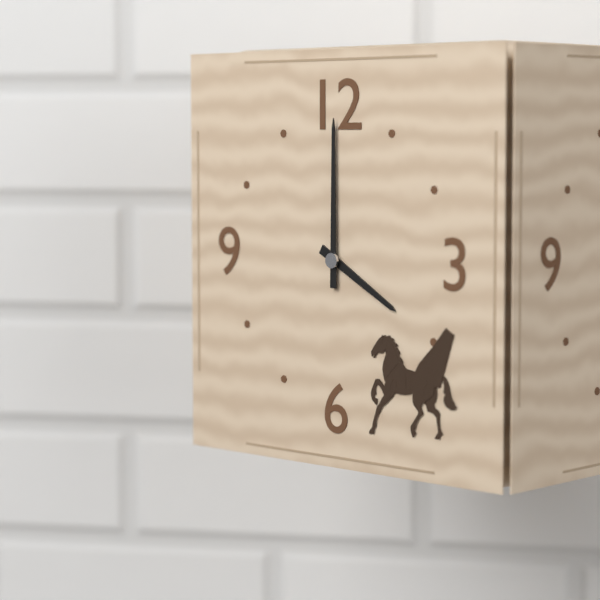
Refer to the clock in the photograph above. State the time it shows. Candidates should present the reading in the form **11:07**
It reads **4:00**
